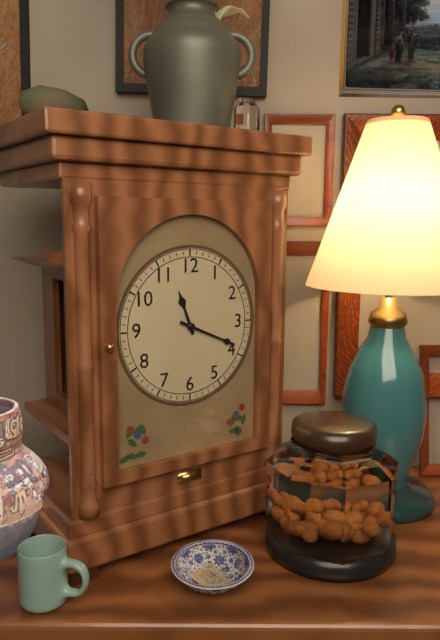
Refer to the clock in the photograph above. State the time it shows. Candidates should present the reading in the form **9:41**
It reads **11:19**
